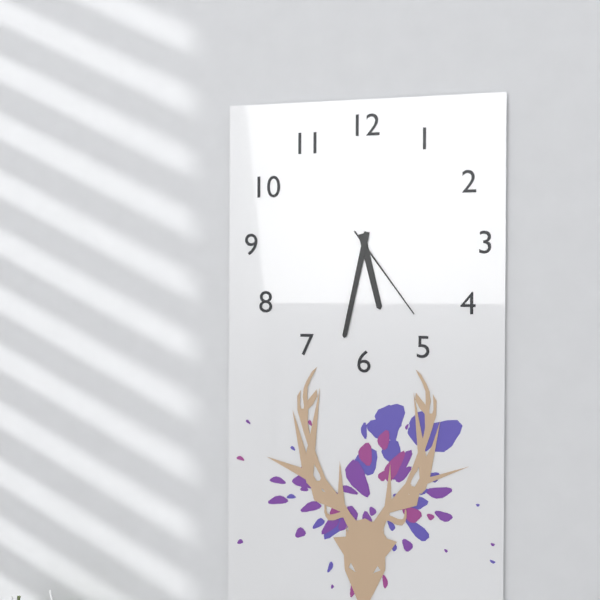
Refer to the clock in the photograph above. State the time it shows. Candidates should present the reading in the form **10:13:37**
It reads **5:32:24**
